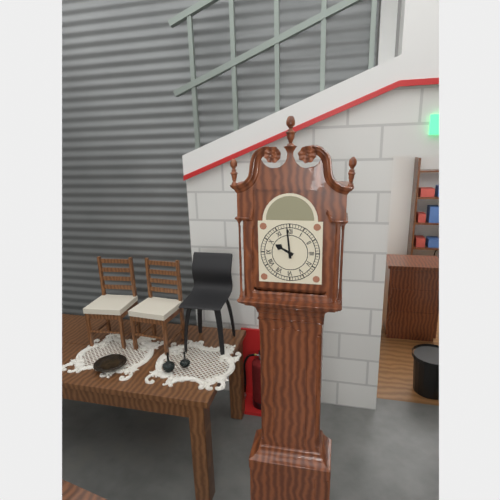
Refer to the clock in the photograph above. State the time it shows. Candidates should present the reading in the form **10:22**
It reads **9:59**
